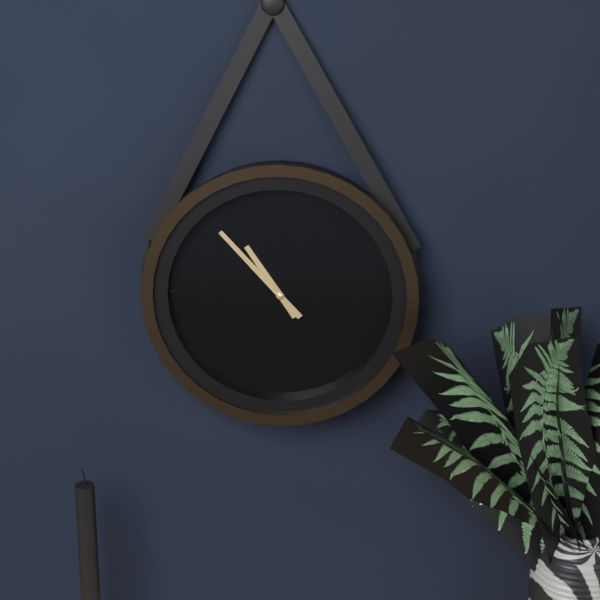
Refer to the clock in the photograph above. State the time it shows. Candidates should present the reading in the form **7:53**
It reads **10:53**
